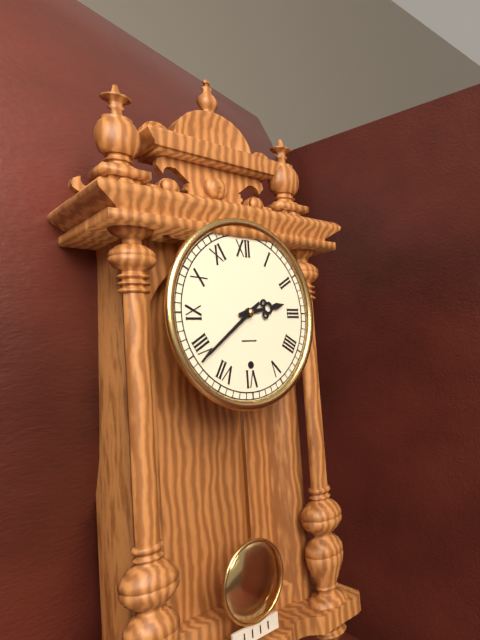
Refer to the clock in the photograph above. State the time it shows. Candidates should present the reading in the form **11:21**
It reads **2:39**
